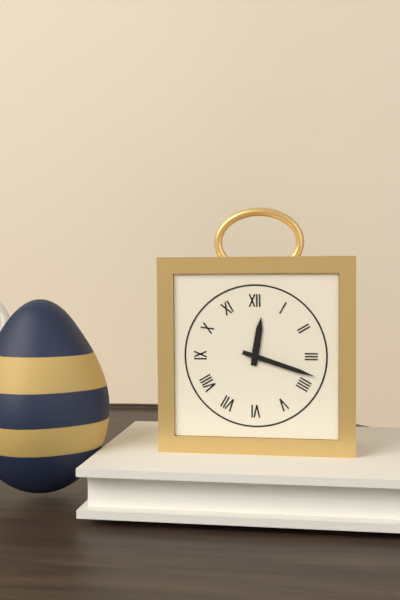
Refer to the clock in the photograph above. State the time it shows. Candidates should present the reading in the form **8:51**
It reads **12:18**
